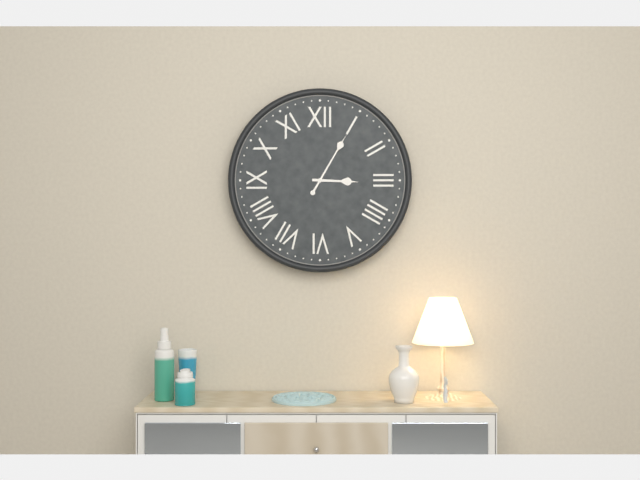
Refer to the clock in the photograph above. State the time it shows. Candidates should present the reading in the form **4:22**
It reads **3:05**
